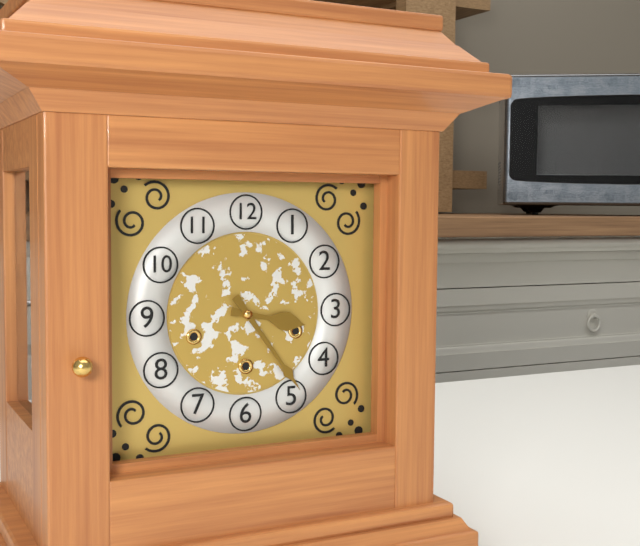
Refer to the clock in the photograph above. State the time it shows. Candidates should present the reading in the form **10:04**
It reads **3:24**
